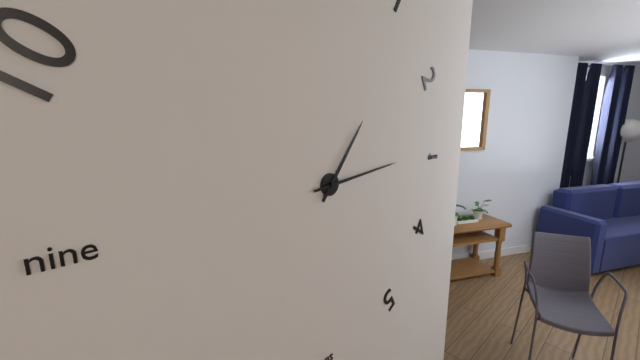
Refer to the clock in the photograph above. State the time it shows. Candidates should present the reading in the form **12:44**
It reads **1:14**
